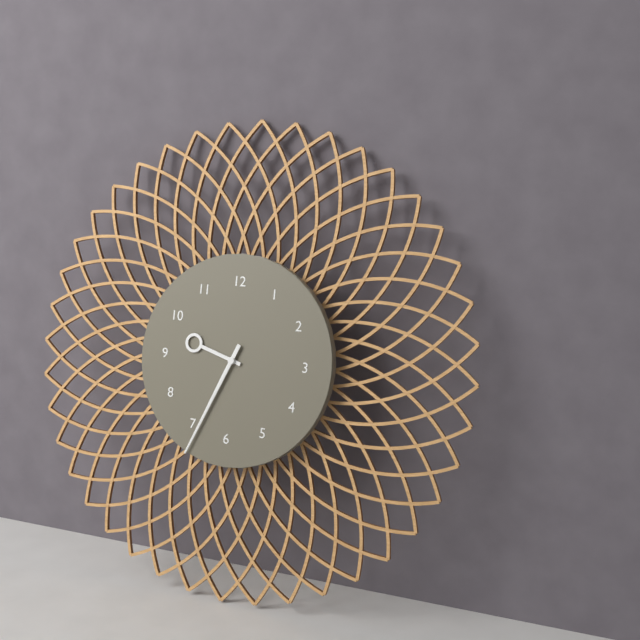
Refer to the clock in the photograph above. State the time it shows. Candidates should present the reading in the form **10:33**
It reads **9:34**
